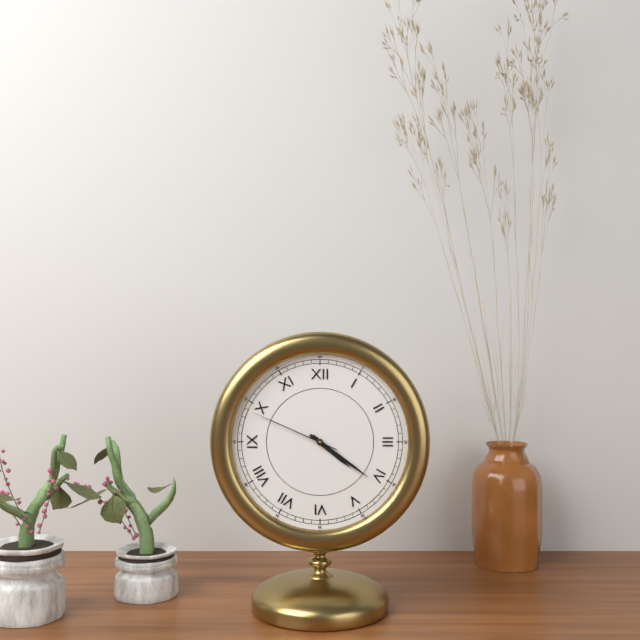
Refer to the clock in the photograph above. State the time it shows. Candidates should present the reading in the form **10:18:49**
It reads **4:21:49**
